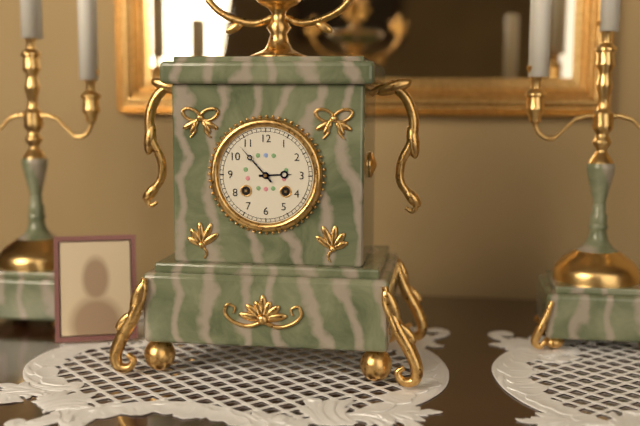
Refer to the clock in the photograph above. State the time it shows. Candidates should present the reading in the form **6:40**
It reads **2:53**
